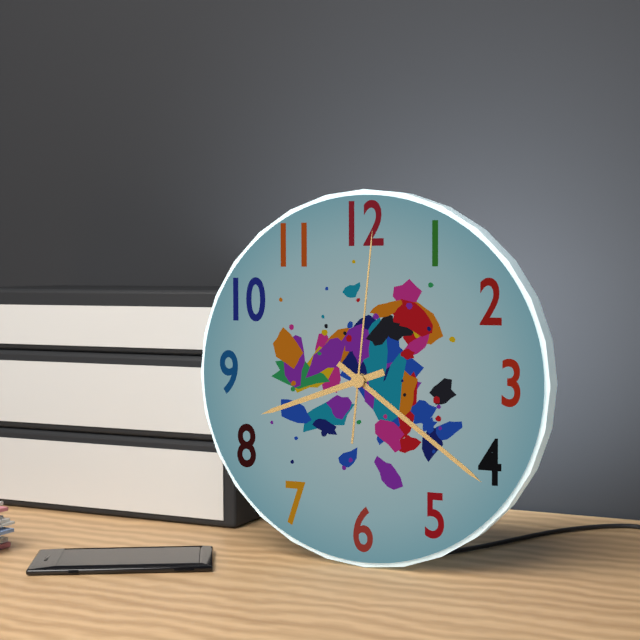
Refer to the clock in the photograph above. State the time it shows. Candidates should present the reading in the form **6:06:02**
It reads **8:21:01**
